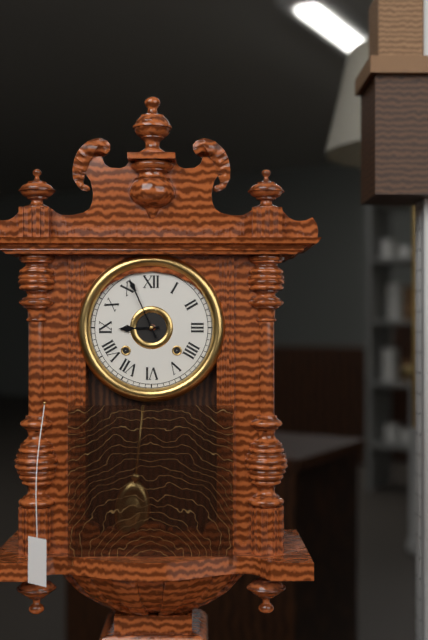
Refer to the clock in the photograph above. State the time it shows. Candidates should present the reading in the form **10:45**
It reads **8:56**
